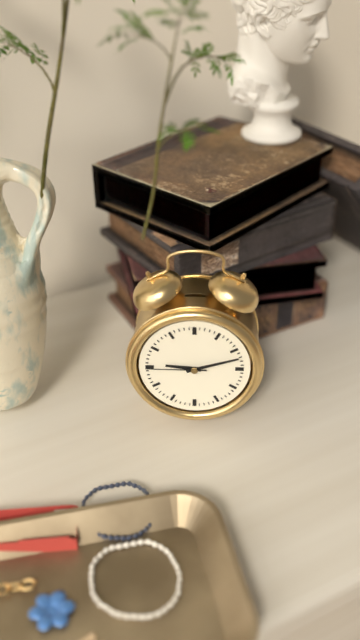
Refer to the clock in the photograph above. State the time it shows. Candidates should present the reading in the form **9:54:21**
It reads **9:12:45**
